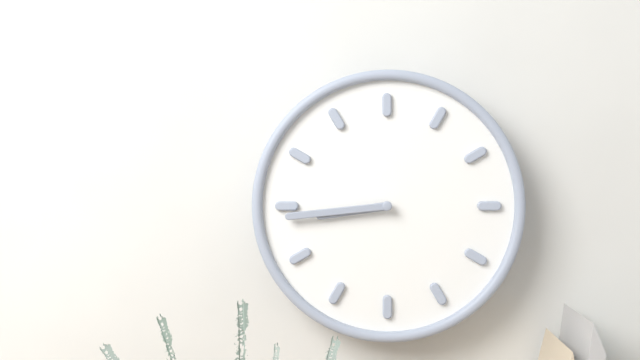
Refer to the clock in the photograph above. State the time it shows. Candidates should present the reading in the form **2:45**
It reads **8:44**
